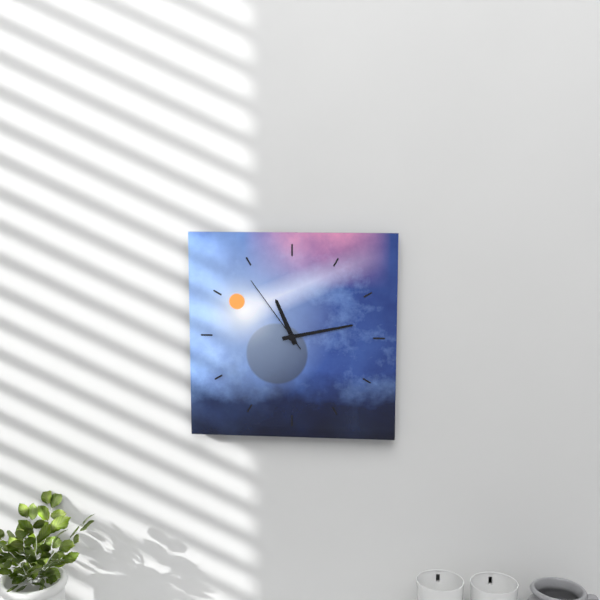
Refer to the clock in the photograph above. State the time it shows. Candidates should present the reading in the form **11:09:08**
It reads **11:13:54**
